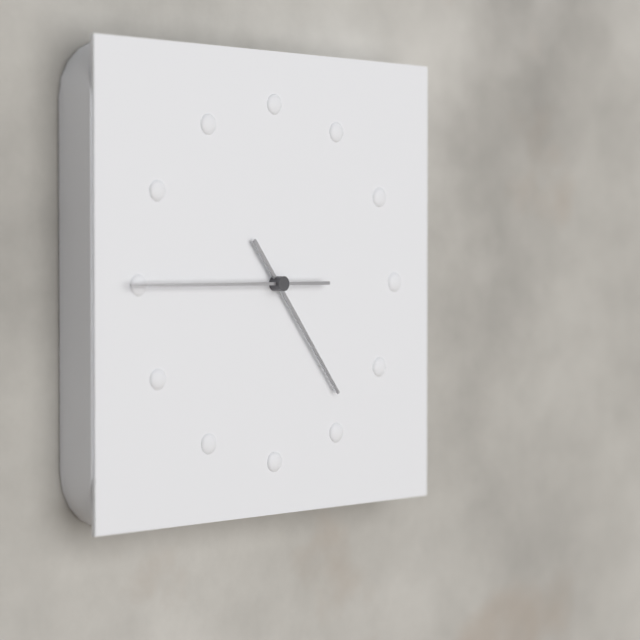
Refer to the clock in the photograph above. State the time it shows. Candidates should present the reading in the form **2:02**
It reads **4:45**
